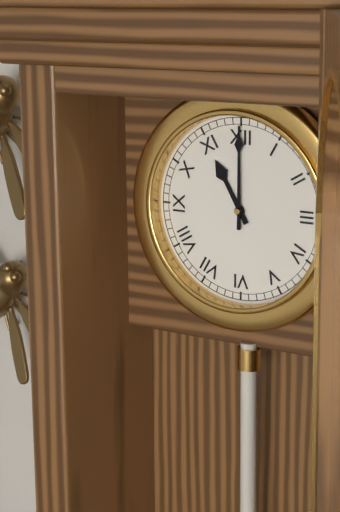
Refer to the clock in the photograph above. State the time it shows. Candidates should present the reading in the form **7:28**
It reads **11:00**
